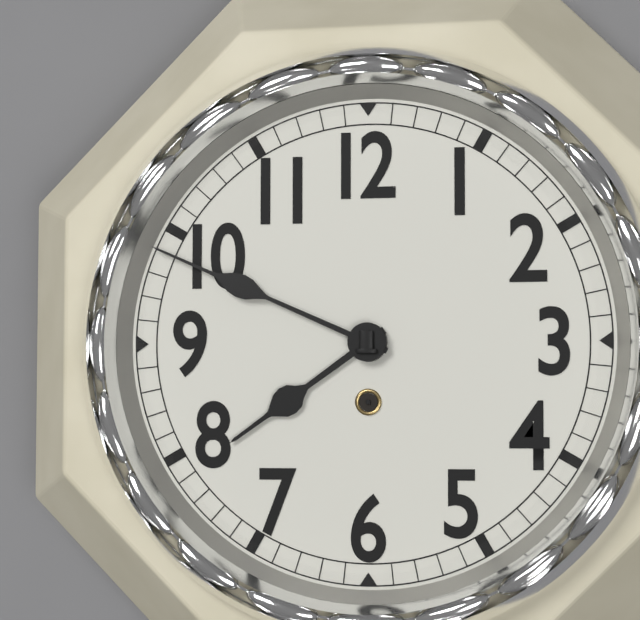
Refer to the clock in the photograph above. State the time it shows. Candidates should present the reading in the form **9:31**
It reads **7:49**
